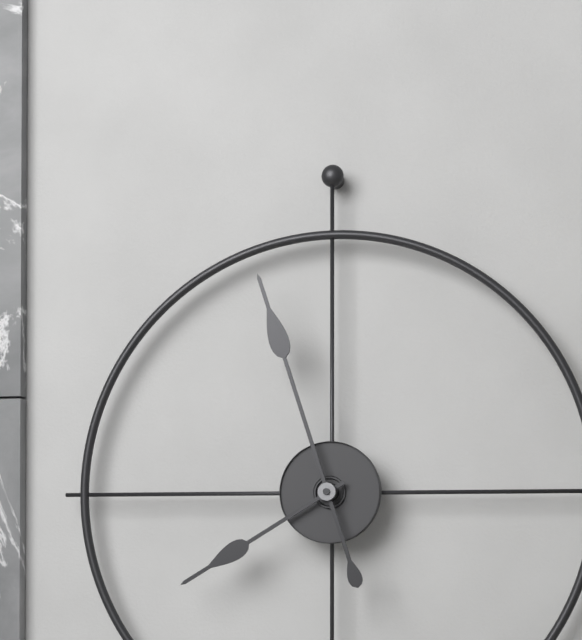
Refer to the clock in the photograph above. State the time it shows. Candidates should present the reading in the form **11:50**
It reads **7:57**
